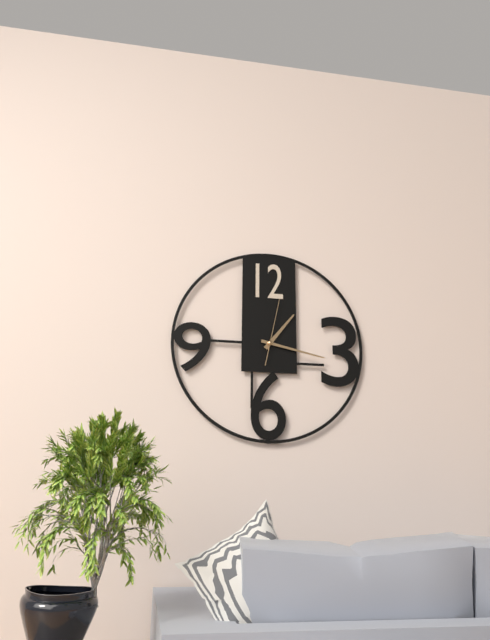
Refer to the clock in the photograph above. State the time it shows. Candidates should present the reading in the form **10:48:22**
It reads **1:17:02**
